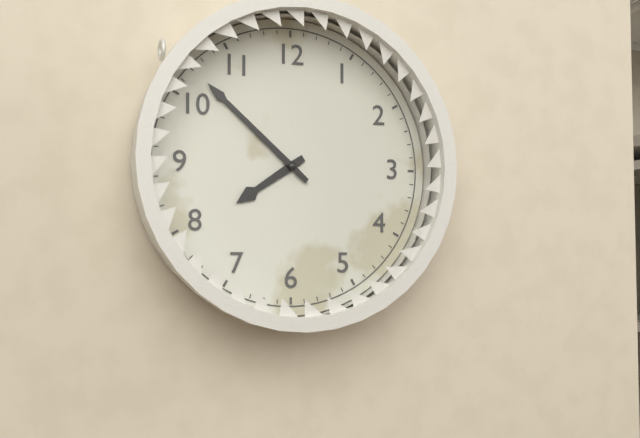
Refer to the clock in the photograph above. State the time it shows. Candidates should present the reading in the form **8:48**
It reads **7:52**
